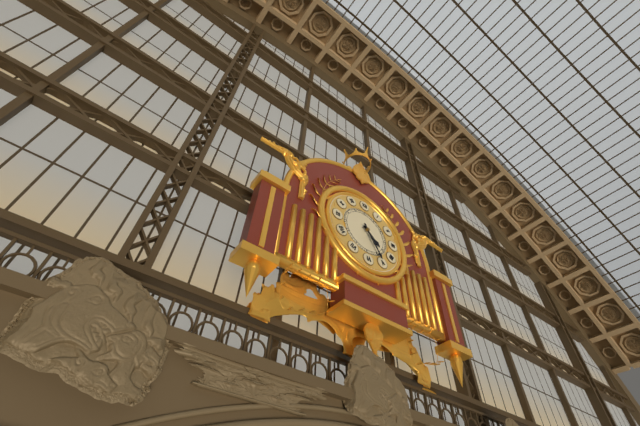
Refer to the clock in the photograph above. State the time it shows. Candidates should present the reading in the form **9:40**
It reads **4:25**
